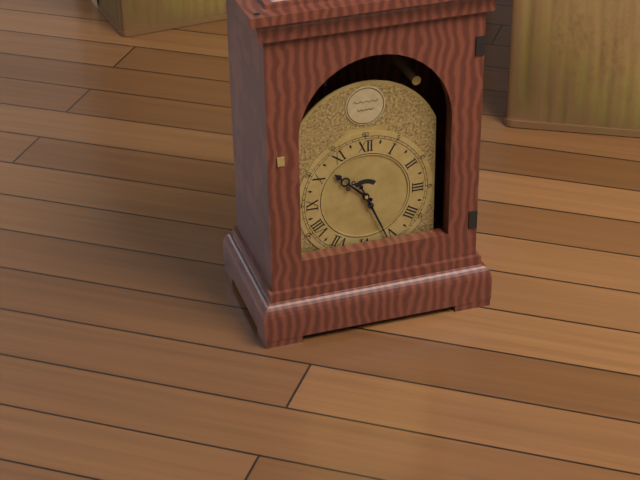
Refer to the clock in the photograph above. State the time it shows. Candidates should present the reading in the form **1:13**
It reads **10:26**
